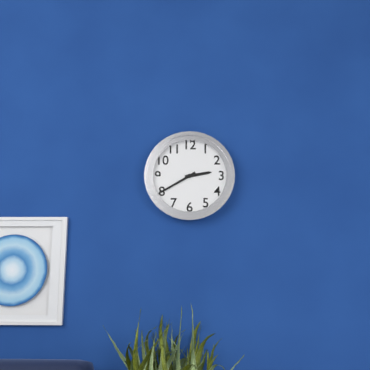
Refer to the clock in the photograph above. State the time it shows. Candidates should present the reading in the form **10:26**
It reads **2:40**
